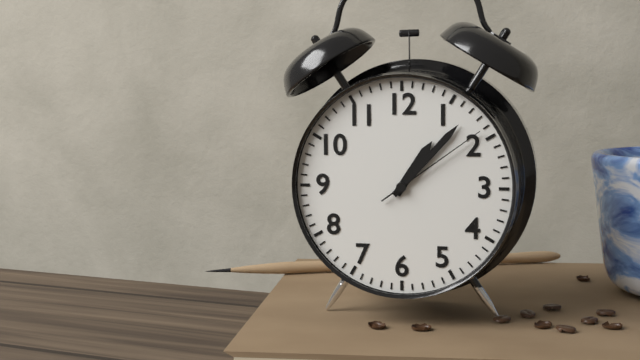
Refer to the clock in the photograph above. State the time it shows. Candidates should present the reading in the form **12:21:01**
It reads **1:07:09**
